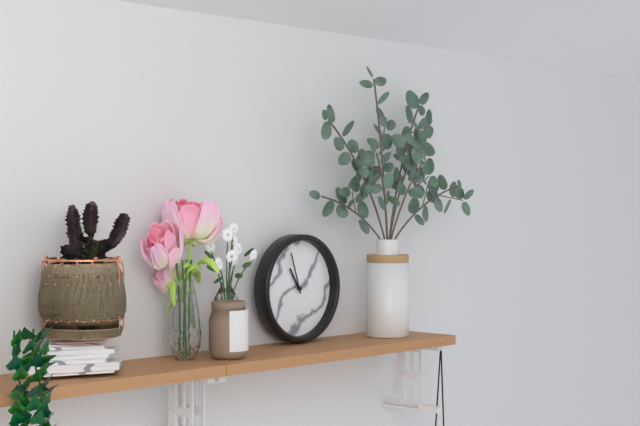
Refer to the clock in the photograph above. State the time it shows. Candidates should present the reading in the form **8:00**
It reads **10:57**
